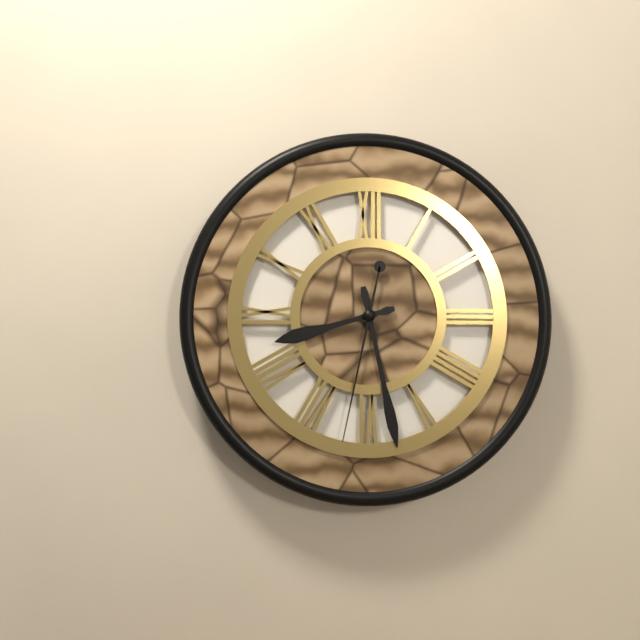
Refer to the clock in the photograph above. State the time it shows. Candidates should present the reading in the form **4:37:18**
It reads **8:28:32**
